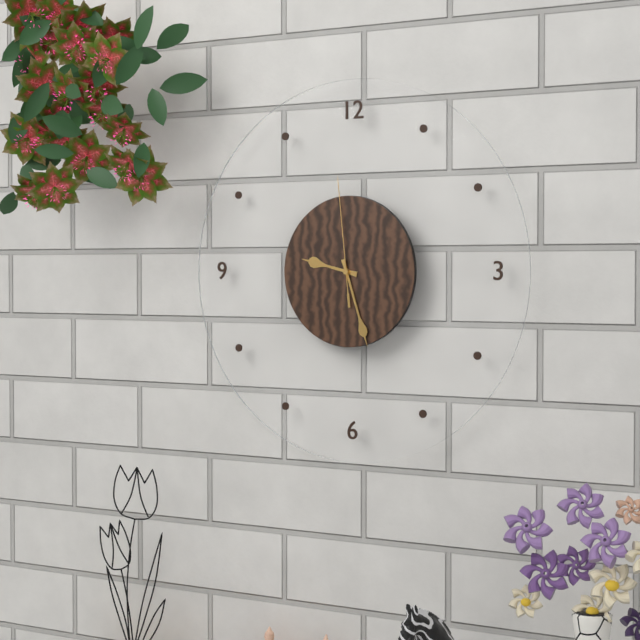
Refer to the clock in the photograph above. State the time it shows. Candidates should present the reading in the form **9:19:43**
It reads **9:27:59**
